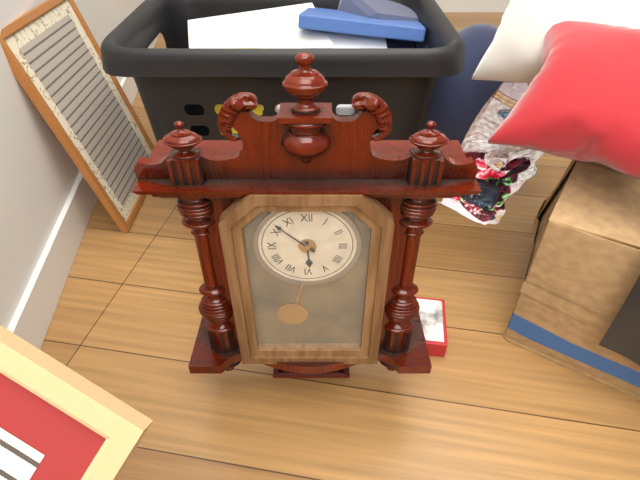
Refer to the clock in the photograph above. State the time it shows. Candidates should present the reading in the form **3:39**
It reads **5:52**
